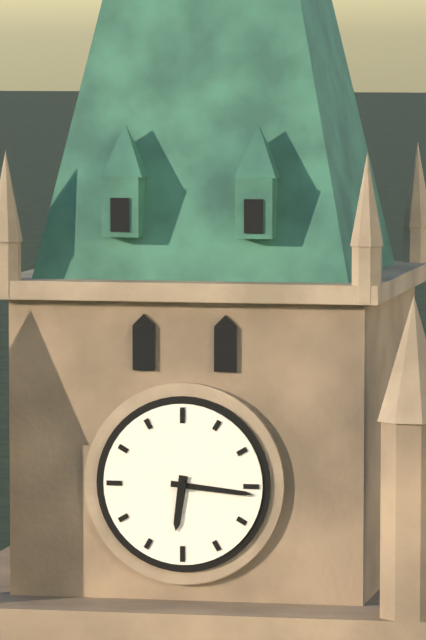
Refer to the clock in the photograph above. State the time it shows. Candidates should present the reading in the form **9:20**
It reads **6:16**
